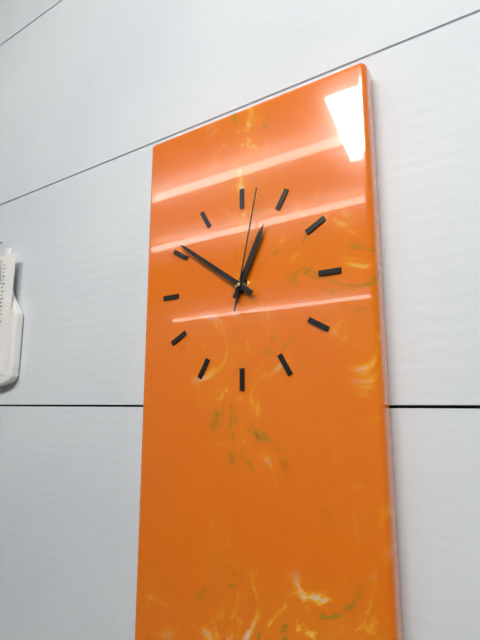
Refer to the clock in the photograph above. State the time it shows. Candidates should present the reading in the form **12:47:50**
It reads **12:51:02**
